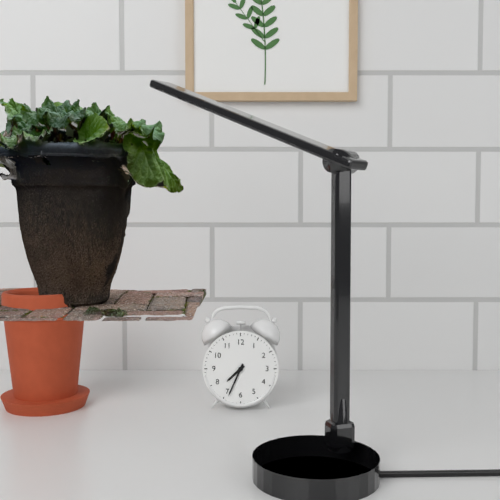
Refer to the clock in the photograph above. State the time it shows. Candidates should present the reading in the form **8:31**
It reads **7:34**
